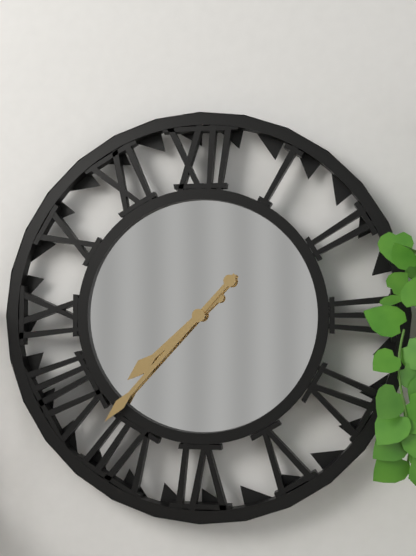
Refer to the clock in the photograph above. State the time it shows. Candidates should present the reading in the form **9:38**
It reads **7:37**
